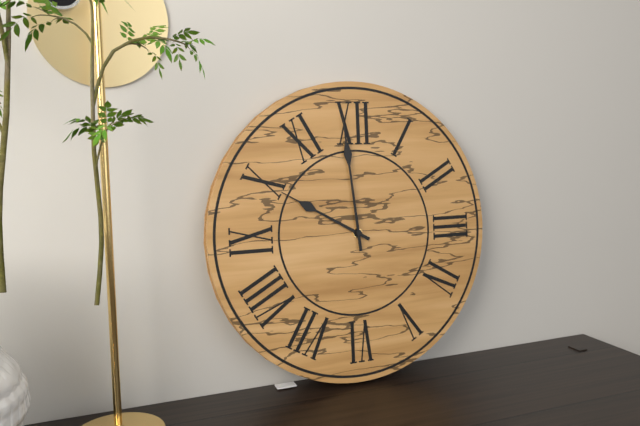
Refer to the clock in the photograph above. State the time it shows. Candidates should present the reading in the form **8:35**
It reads **9:59**
